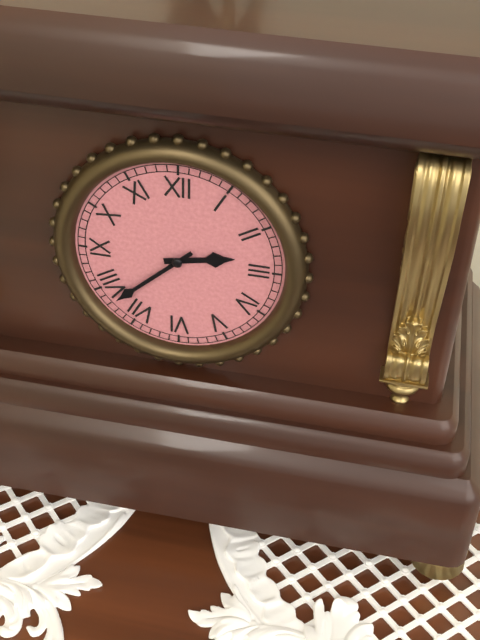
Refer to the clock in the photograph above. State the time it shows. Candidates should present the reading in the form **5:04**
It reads **2:38**
